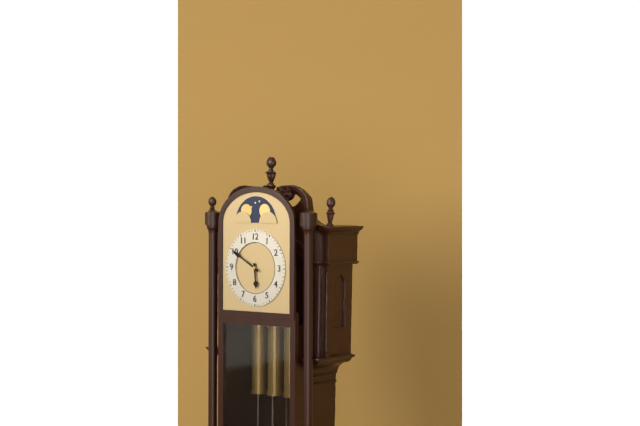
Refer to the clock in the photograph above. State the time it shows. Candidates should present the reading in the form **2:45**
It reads **5:50**
